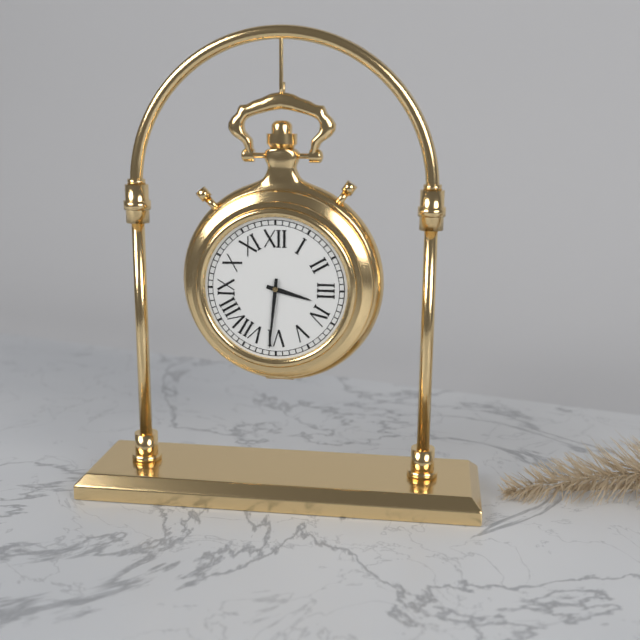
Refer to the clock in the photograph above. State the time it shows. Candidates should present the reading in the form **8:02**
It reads **3:31**
